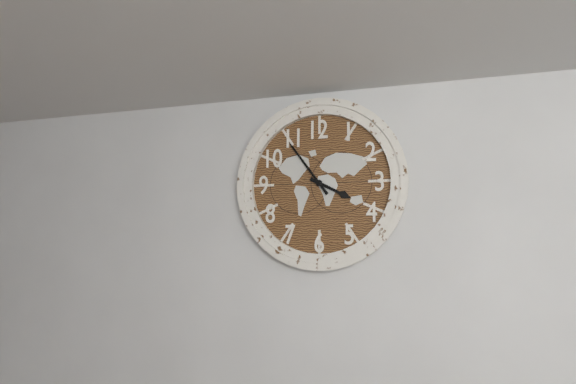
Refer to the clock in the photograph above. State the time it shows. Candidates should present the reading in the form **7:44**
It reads **3:54**
